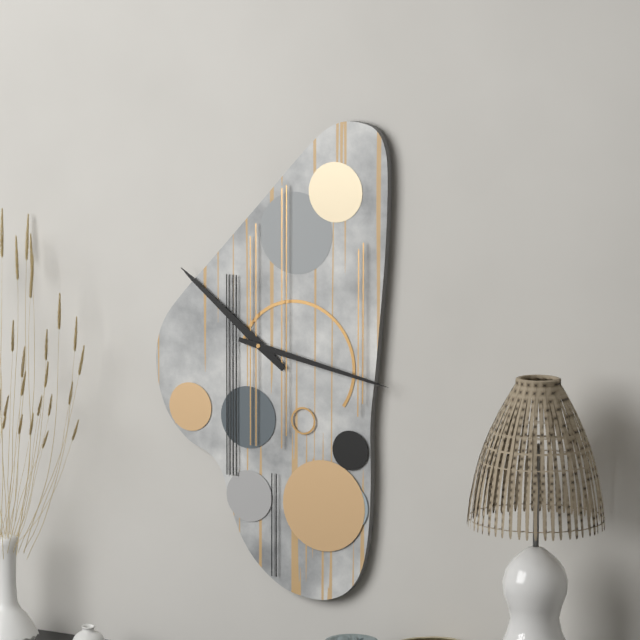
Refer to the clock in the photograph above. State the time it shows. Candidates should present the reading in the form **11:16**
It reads **10:17**
